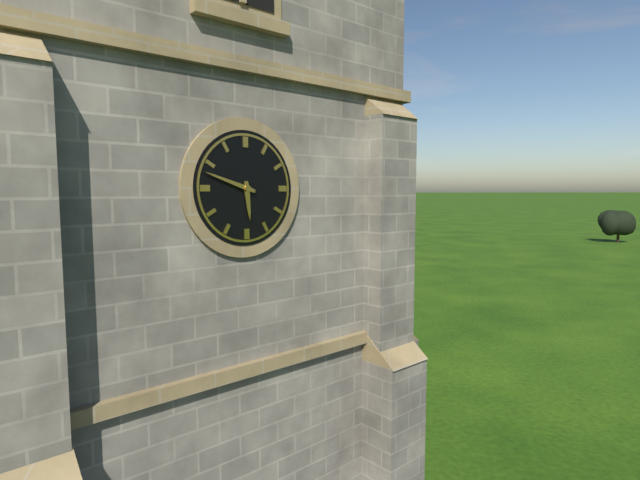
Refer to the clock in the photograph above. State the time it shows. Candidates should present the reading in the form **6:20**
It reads **5:48**
